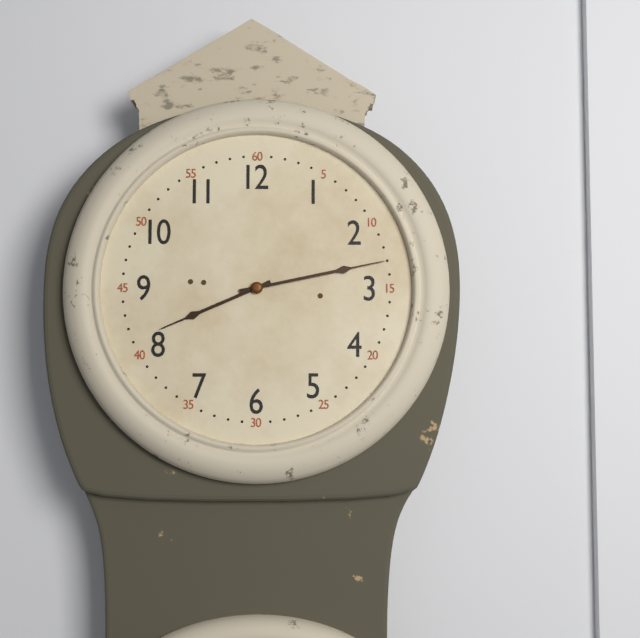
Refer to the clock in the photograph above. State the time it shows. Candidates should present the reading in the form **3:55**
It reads **8:13**
